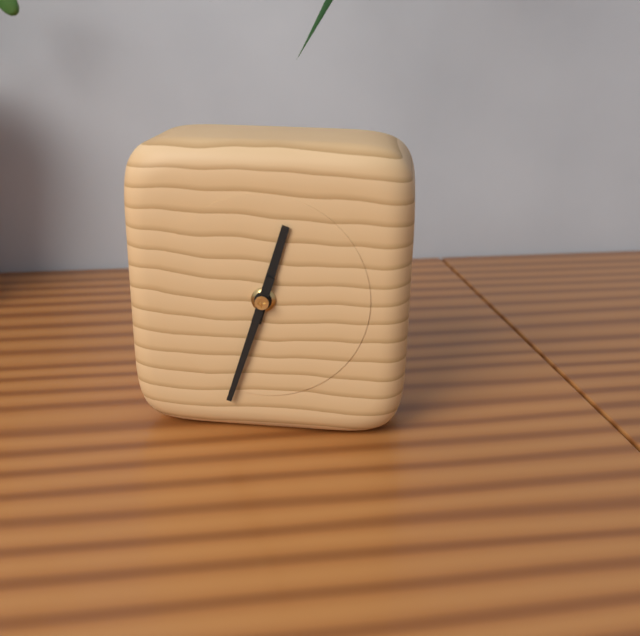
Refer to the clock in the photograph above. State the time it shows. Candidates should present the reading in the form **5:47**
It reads **12:33**
